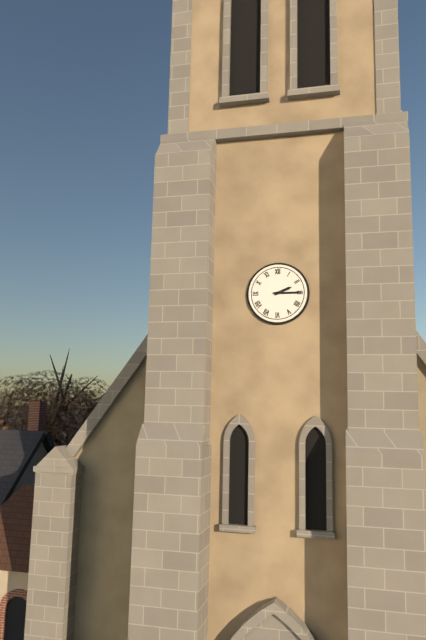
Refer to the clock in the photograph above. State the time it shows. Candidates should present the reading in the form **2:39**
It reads **2:15**
